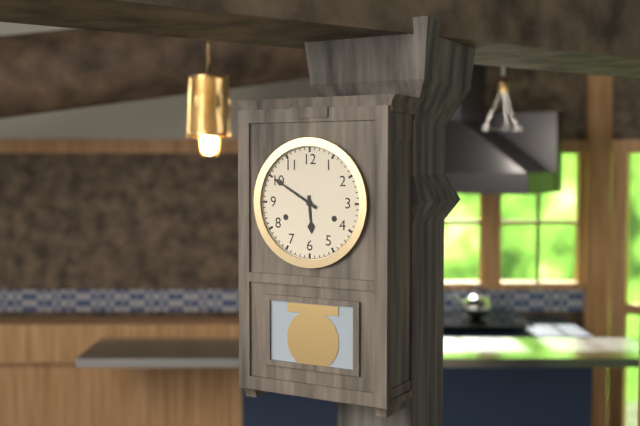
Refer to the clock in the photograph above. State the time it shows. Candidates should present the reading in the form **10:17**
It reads **5:50**
